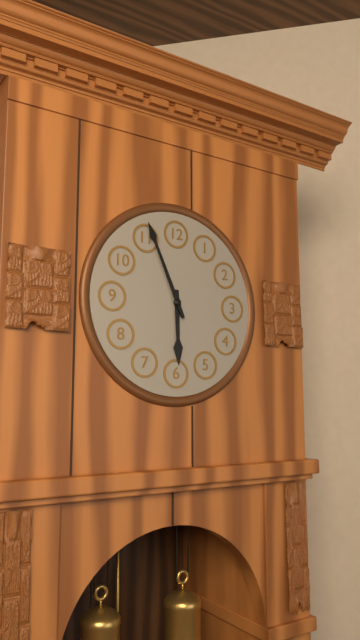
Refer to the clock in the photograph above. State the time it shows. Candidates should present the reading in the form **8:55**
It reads **5:56**
